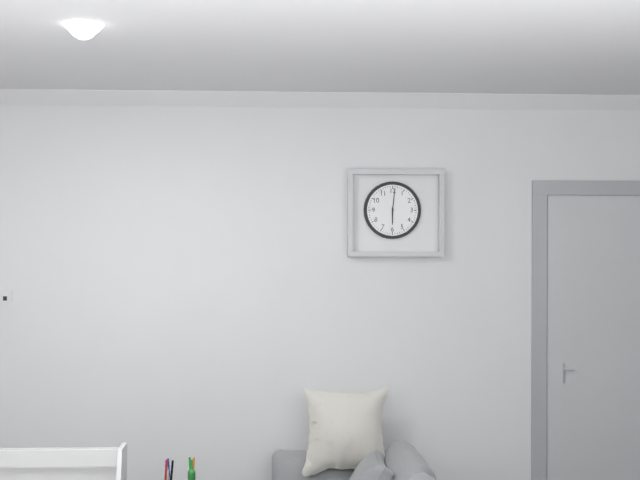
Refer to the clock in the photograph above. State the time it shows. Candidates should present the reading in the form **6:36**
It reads **6:01**
